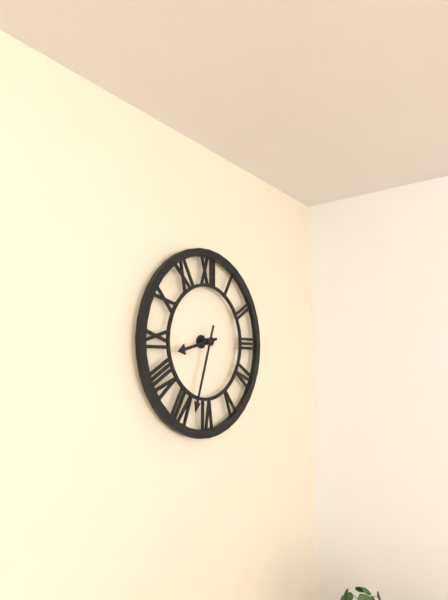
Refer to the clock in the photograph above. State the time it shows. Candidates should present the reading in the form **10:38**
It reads **8:33**
